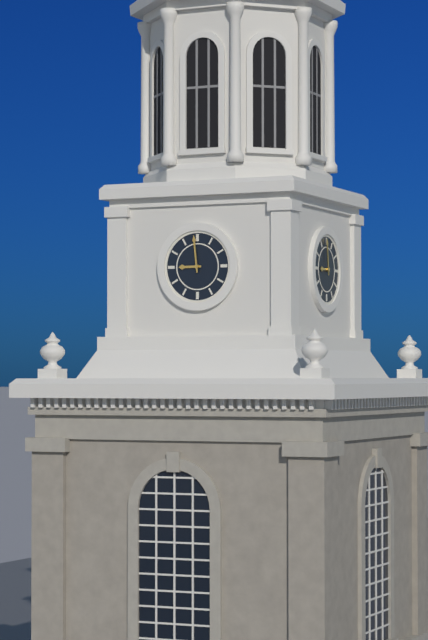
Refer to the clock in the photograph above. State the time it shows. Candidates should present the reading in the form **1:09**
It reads **8:59**
